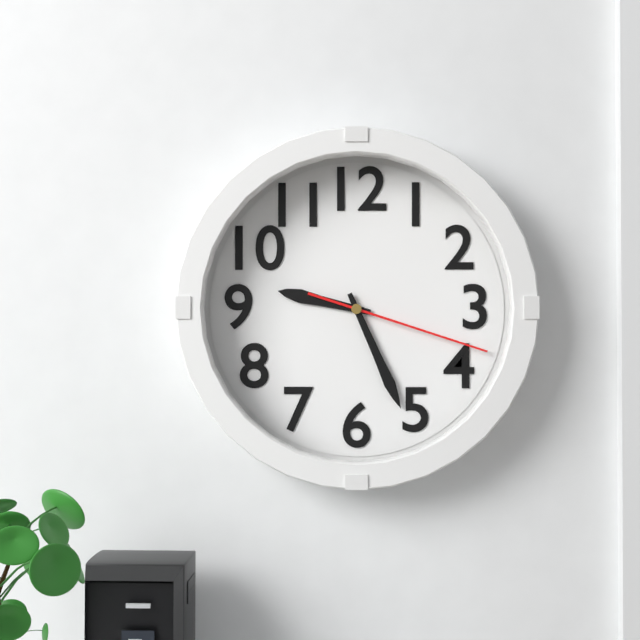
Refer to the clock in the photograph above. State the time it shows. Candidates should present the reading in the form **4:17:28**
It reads **9:26:18**
